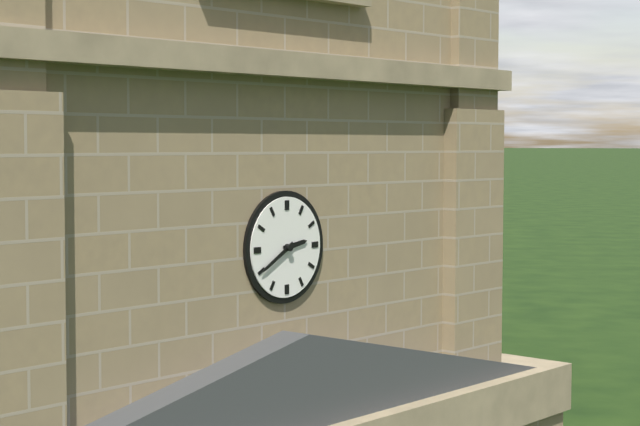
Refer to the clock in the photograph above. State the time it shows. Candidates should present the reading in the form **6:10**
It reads **2:40**
